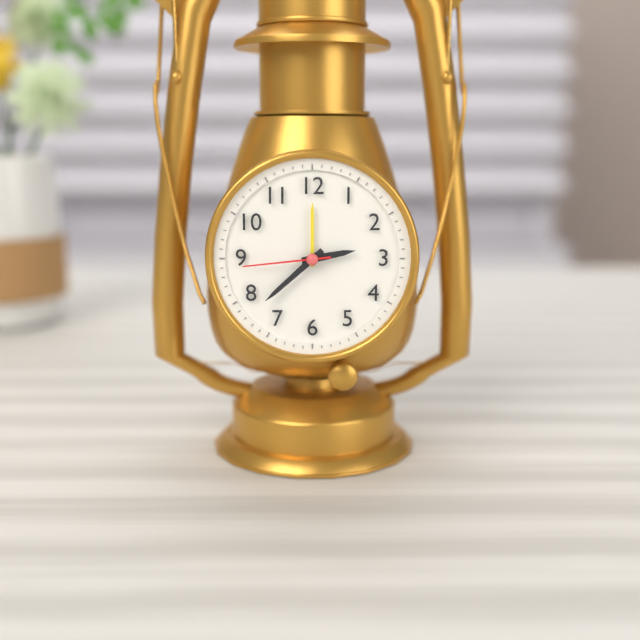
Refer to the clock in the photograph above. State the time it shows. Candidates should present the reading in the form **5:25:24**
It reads **2:38:44**
